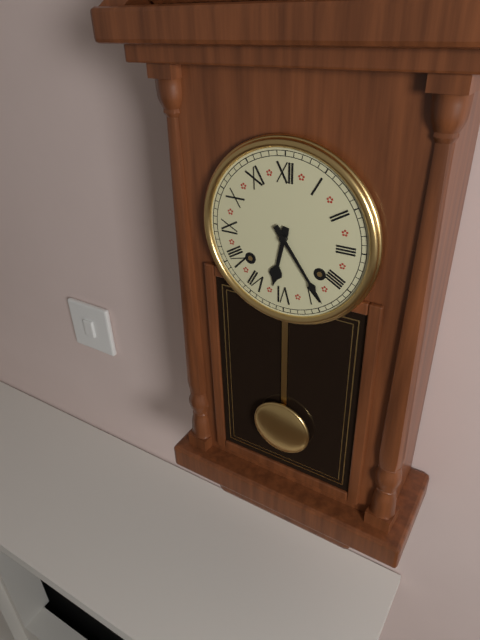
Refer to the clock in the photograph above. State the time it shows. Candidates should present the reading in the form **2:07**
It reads **6:24**
